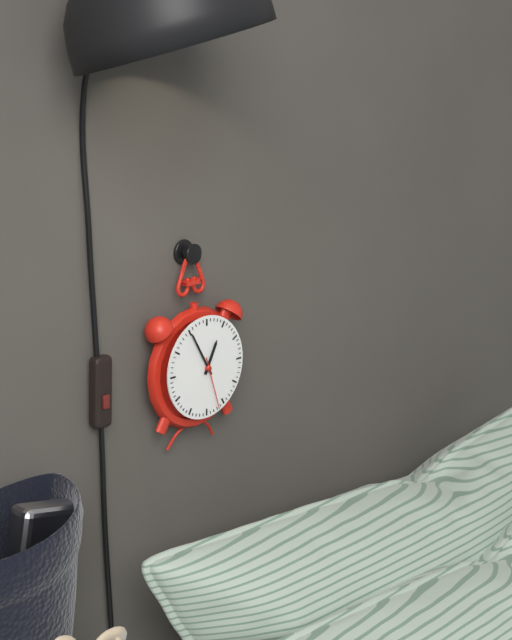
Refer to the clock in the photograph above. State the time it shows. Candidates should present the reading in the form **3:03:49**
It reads **12:55:27**
